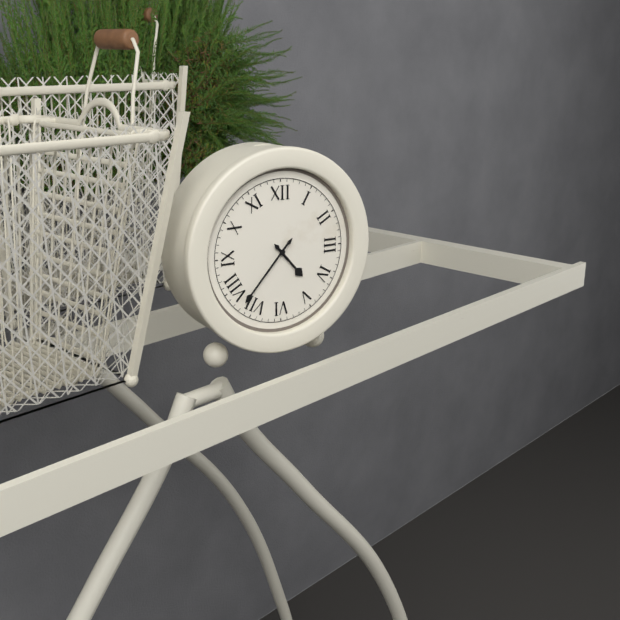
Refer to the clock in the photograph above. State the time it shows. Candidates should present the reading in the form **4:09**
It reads **4:37**
